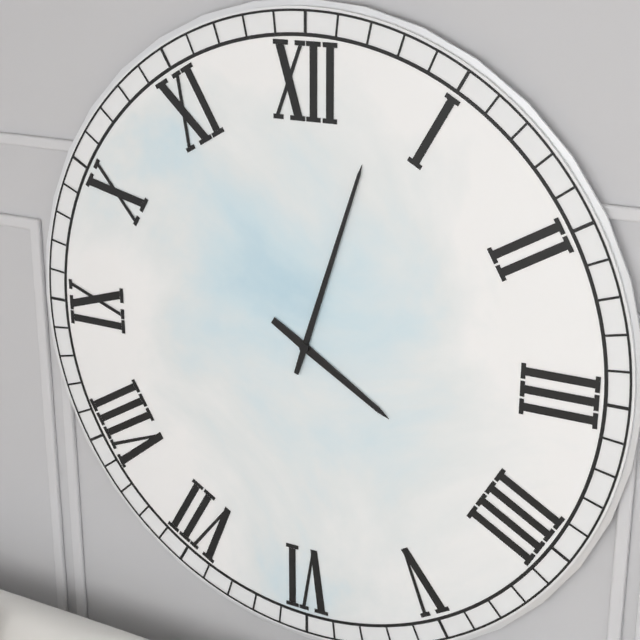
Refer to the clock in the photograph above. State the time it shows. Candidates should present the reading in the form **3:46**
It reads **4:03**
